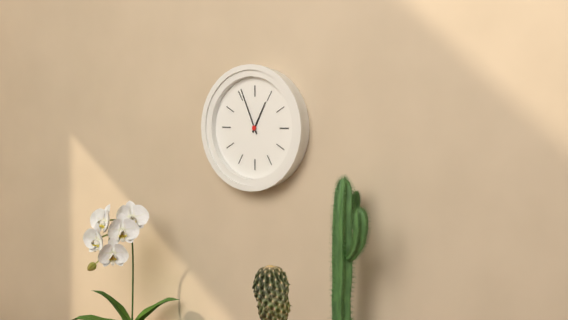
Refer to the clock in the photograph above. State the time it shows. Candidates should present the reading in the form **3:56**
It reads **12:56**
